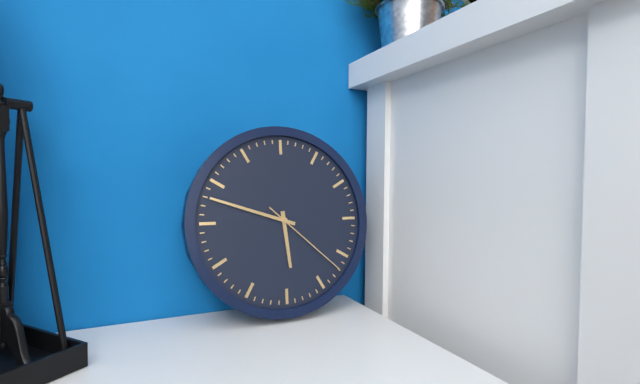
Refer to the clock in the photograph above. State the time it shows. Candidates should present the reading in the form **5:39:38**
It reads **5:48:22**
